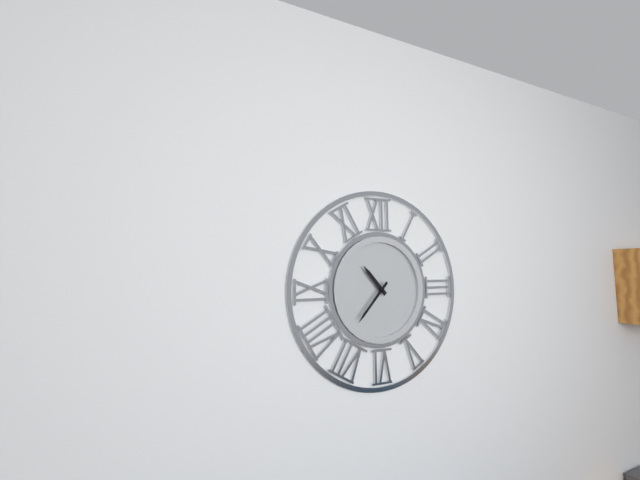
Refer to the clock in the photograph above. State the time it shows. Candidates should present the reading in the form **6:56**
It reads **10:37**
